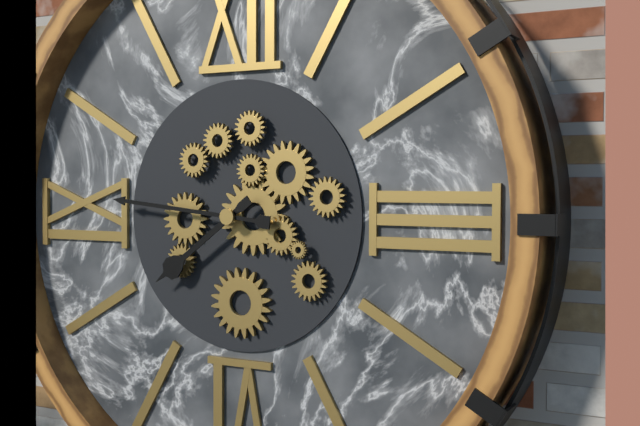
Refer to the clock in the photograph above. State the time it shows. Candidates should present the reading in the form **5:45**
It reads **7:46**
